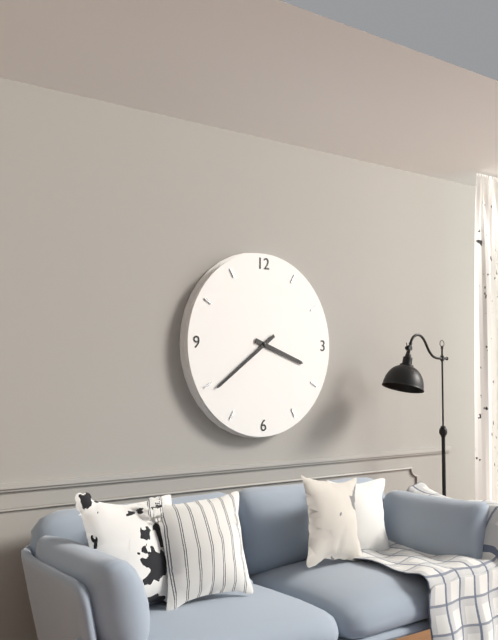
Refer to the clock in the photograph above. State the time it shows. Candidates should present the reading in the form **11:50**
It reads **3:39**
